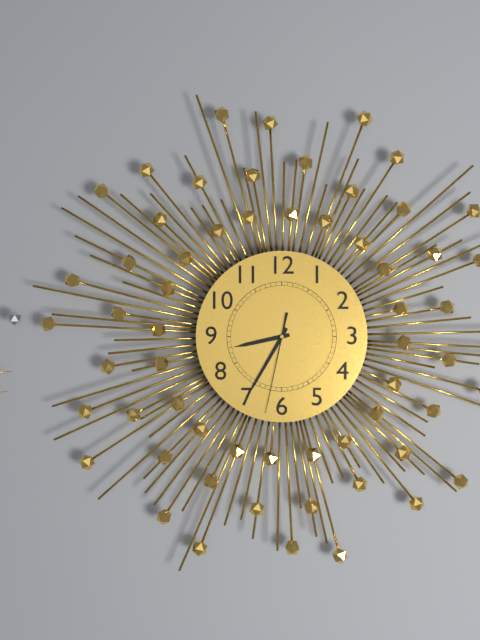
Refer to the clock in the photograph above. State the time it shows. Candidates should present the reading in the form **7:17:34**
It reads **8:35:32**
